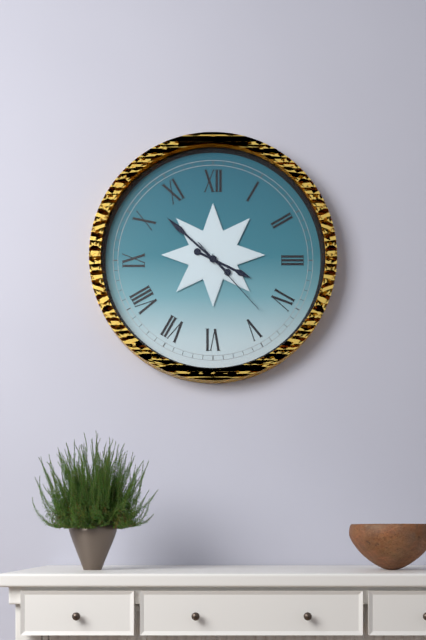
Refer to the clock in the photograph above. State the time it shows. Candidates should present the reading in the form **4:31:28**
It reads **3:52:23**
